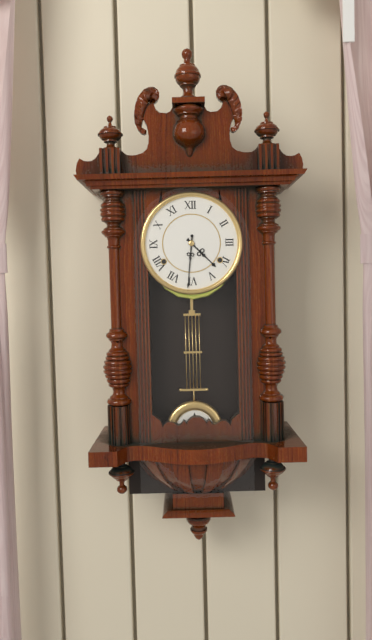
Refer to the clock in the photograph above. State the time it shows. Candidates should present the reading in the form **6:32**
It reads **4:31**
